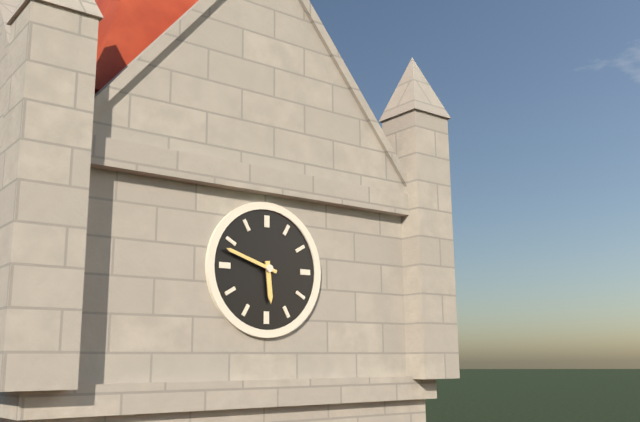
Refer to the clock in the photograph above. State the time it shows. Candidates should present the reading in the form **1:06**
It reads **5:48**
